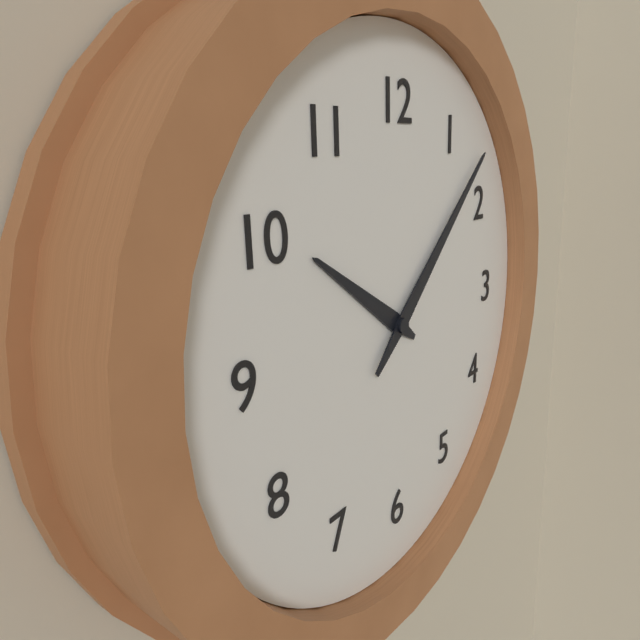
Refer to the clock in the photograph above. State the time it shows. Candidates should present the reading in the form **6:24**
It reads **10:08**
